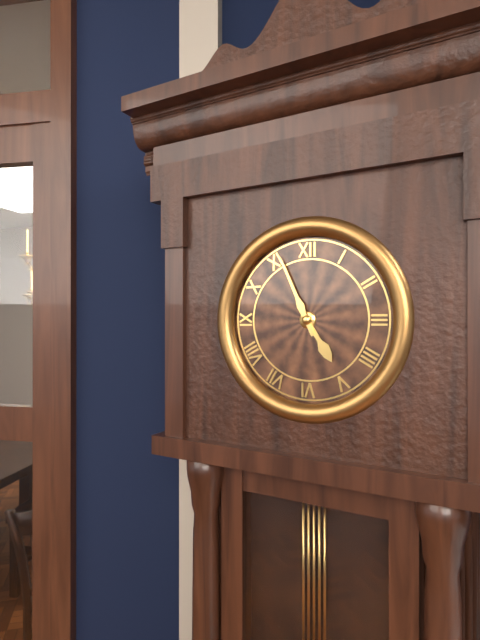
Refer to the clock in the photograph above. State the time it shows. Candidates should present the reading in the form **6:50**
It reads **4:56**
